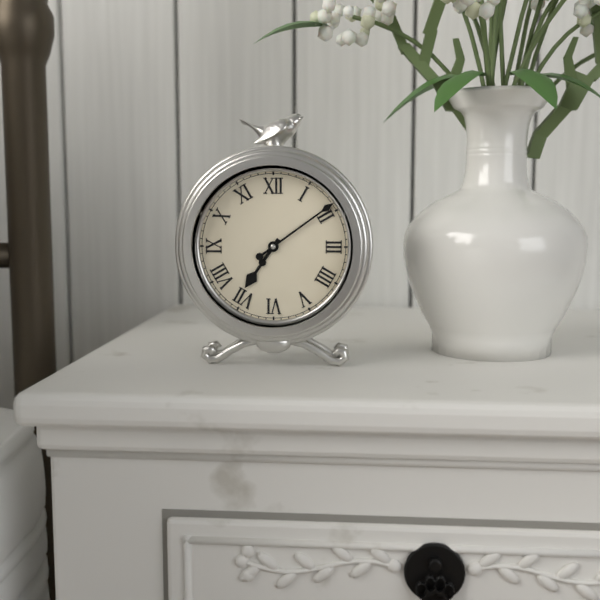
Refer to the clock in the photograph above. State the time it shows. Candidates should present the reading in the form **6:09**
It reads **7:09**
